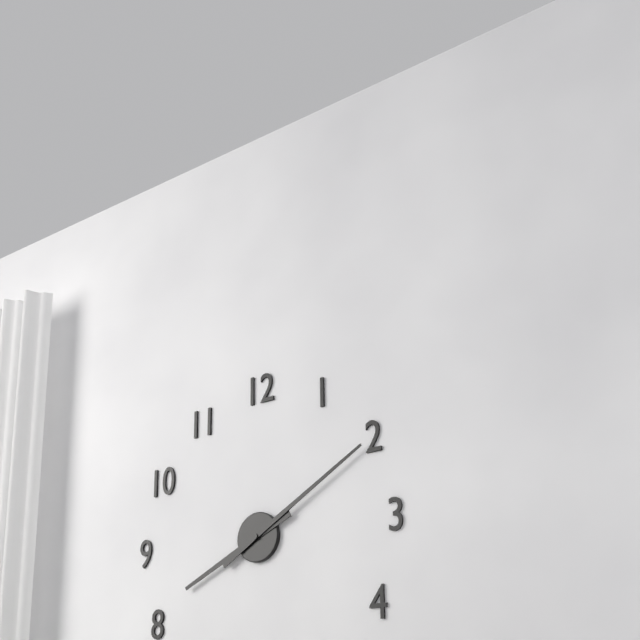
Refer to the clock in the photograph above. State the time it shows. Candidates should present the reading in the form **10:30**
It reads **8:10**
